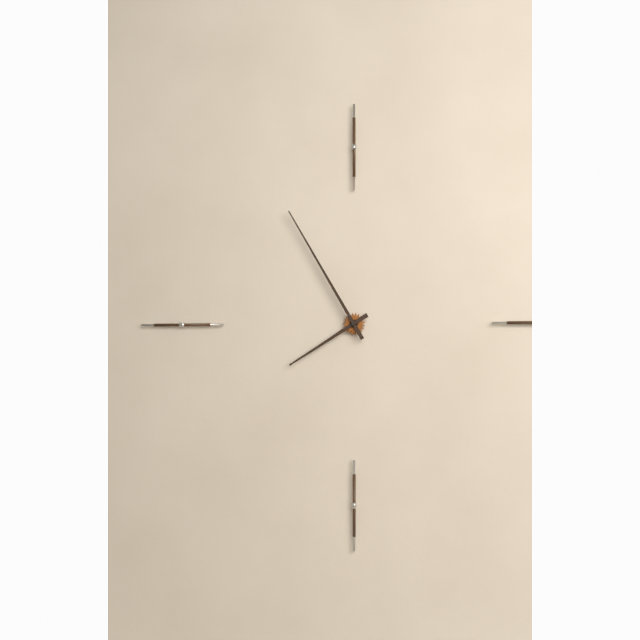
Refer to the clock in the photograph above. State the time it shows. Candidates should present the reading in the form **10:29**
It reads **7:55**
